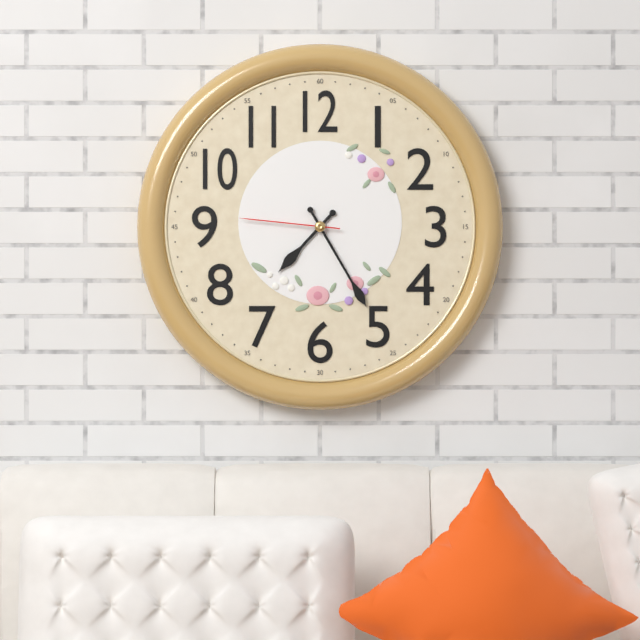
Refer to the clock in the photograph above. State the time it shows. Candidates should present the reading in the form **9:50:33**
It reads **7:25:46**
